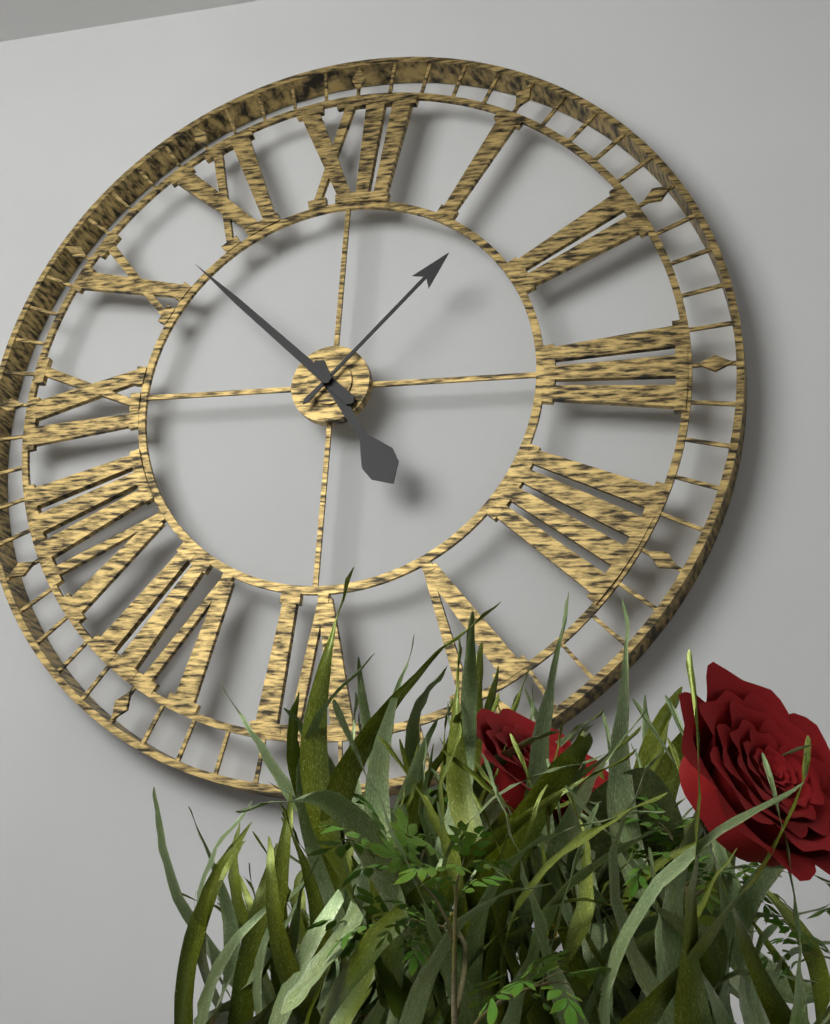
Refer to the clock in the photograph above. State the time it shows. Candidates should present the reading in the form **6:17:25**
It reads **4:52:07**
